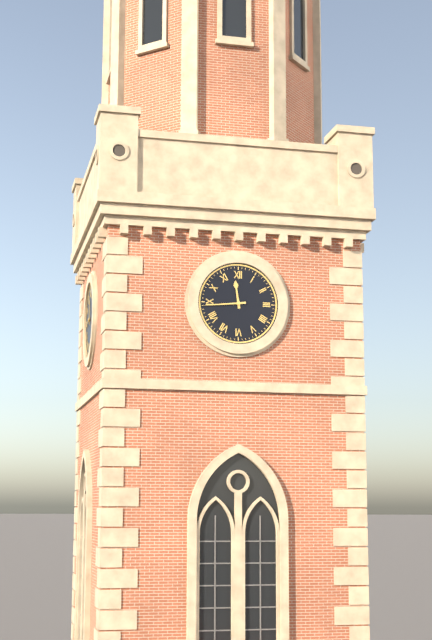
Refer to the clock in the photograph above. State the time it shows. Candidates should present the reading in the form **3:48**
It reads **11:44**
